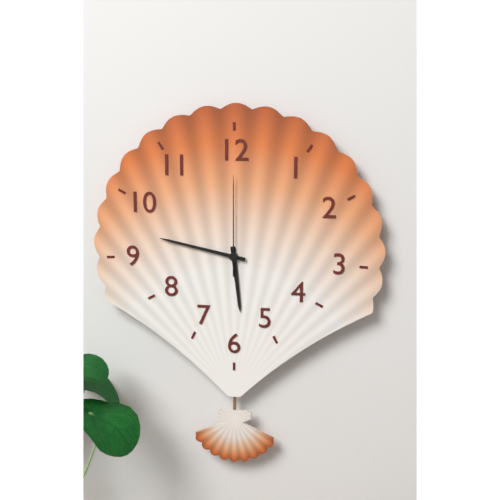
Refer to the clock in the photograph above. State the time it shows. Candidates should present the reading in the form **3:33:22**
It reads **5:47:00**
